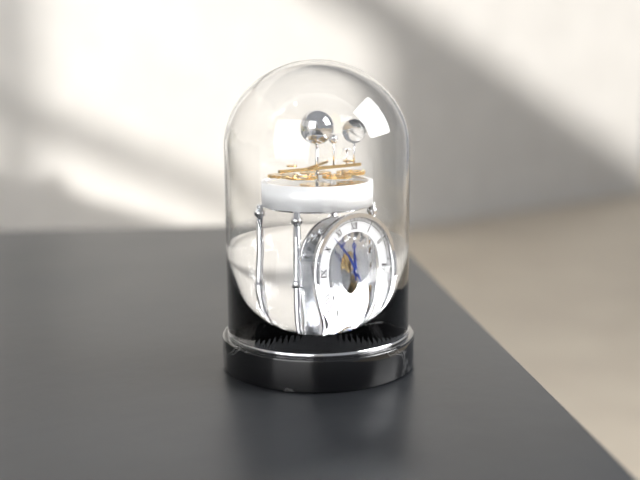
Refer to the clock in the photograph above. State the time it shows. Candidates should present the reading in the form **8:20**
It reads **11:53**
